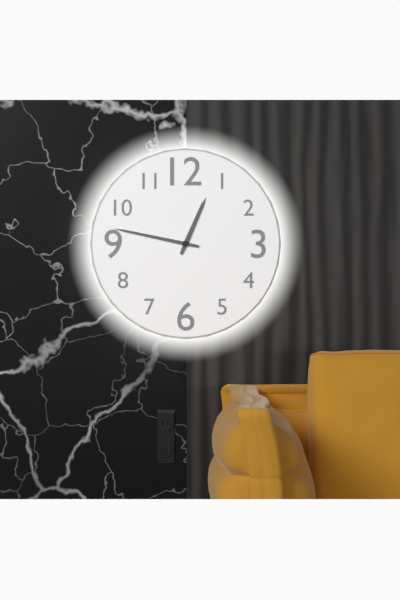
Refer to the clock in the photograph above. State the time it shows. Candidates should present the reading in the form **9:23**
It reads **12:47**
